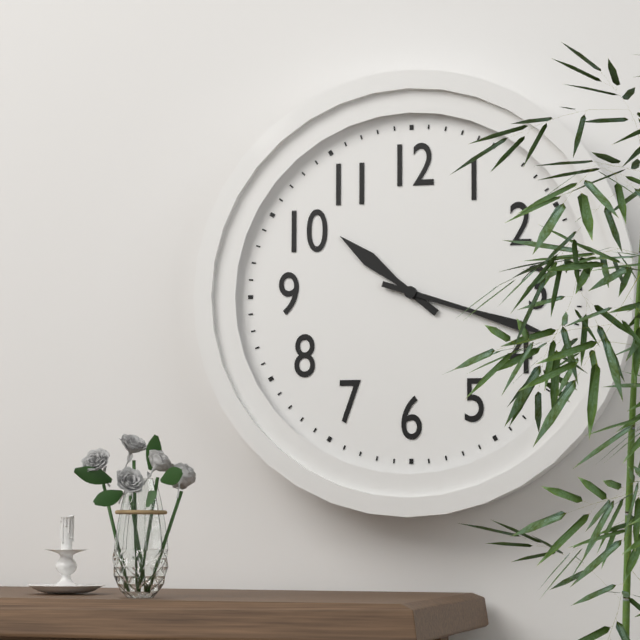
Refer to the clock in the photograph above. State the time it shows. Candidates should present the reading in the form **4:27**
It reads **10:18**
